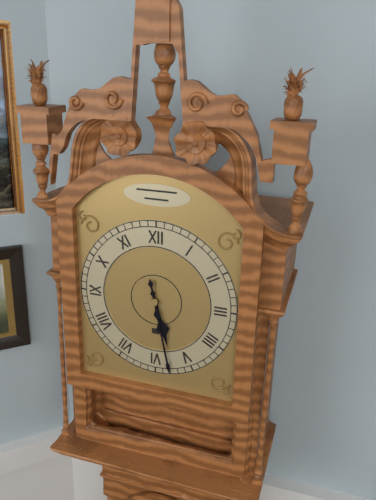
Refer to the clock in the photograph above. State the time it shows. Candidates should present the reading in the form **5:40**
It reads **5:28**
